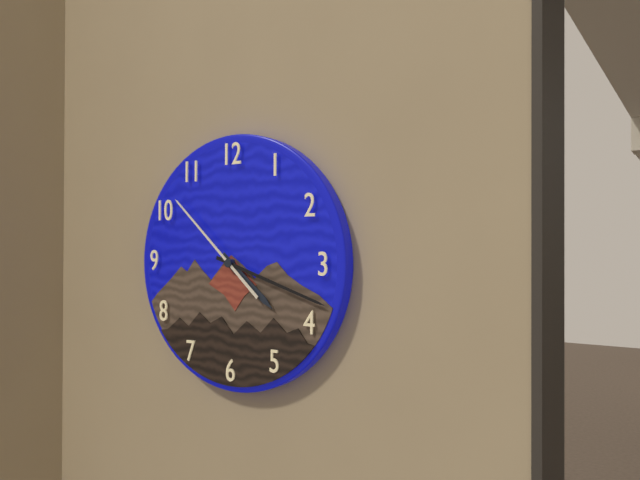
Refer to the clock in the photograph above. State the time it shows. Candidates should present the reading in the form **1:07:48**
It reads **4:18:52**
